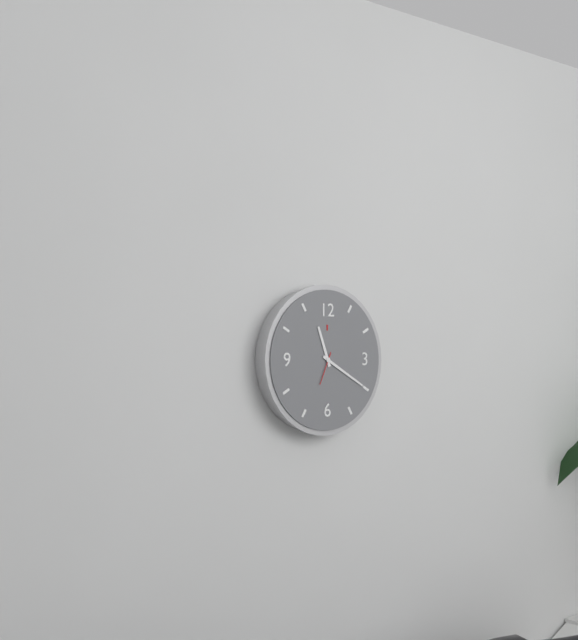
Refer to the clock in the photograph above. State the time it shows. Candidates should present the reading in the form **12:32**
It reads **11:20**
